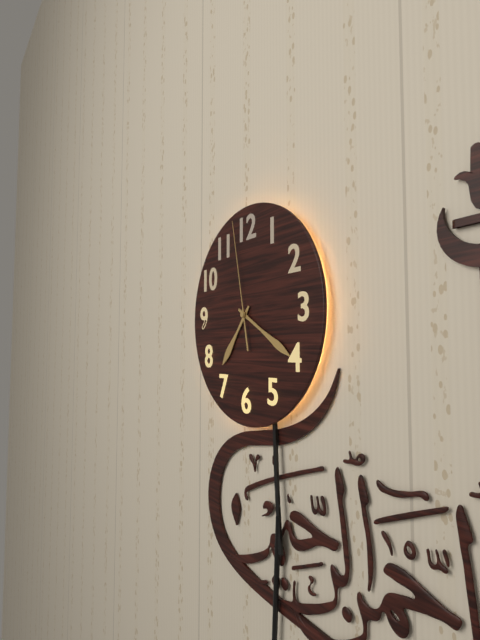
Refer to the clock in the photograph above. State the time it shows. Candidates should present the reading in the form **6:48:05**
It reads **7:20:58**
